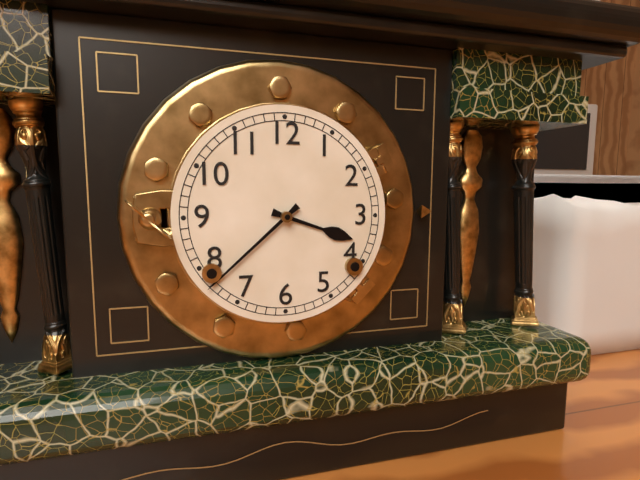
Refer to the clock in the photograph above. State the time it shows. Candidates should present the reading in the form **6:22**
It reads **3:38**
